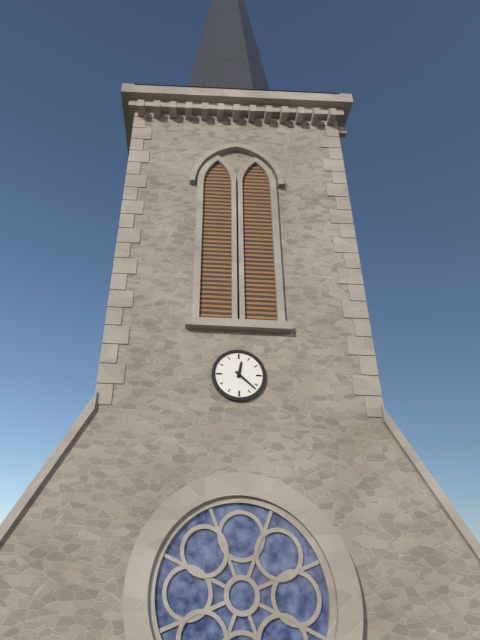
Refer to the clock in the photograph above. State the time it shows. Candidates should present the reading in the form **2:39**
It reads **12:22**
